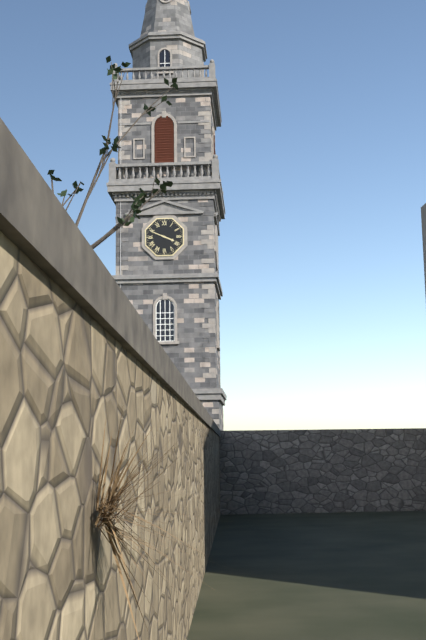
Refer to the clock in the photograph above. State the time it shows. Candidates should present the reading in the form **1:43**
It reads **3:49**
